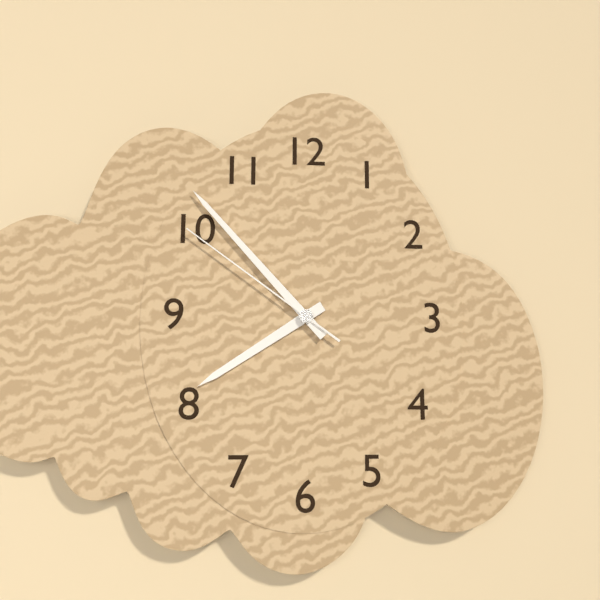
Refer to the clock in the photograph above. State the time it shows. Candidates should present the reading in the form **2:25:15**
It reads **7:53:51**
